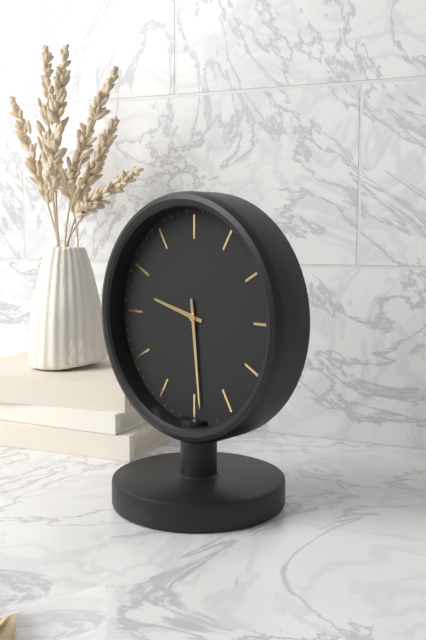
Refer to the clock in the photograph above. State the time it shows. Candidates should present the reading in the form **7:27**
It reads **9:29**
